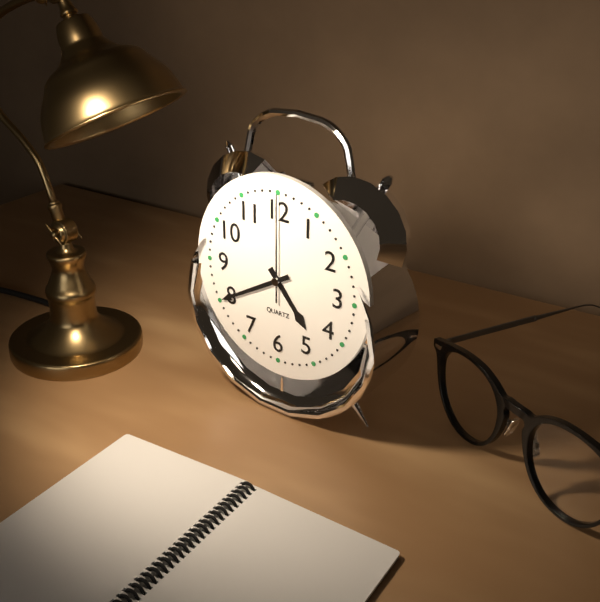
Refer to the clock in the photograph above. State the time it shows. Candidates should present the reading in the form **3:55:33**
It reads **4:40:00**
